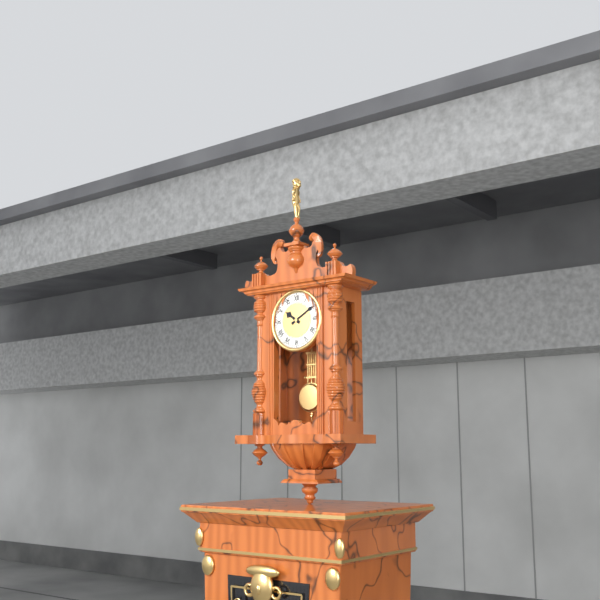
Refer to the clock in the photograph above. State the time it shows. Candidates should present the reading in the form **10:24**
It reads **10:10**
